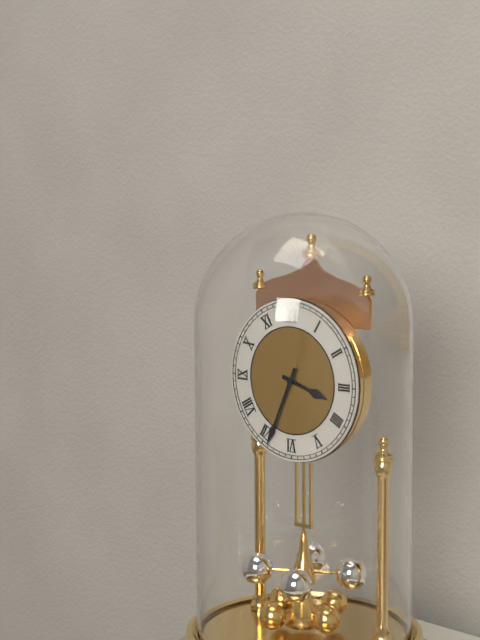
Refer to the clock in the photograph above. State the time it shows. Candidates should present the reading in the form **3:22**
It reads **3:34**
